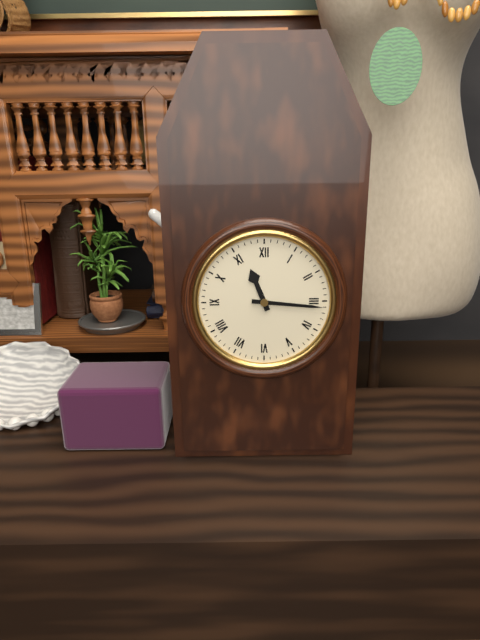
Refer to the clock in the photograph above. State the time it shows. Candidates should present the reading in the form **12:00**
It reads **11:16**
